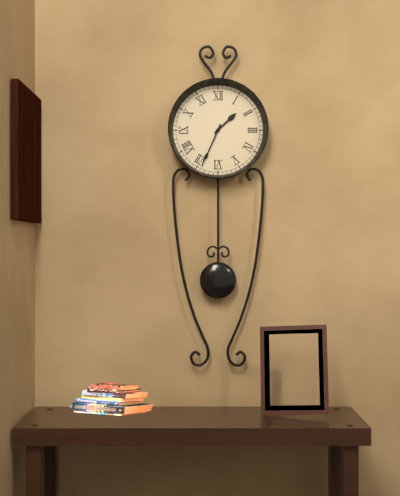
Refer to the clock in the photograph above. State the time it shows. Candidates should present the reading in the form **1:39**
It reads **1:34**
